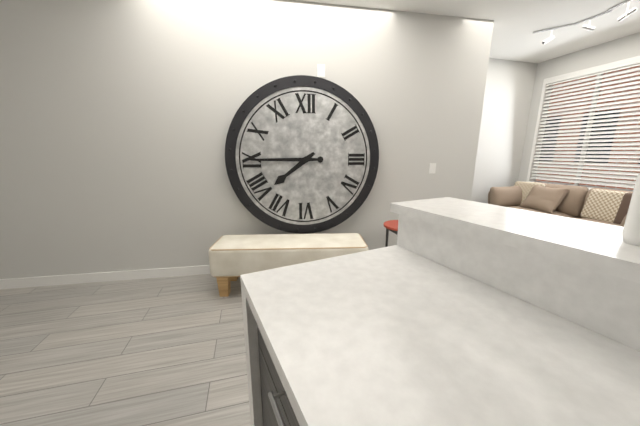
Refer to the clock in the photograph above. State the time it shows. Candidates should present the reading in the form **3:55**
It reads **7:45**
